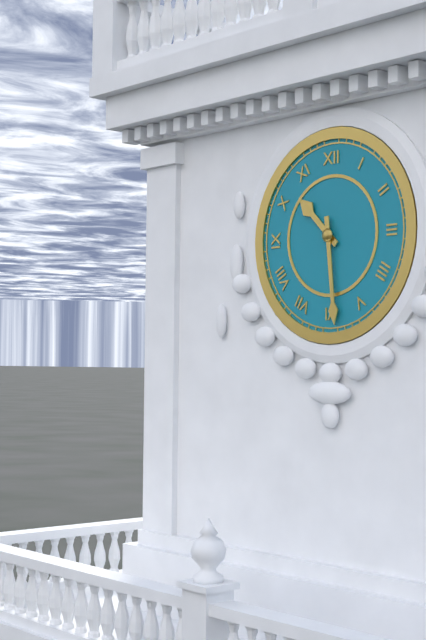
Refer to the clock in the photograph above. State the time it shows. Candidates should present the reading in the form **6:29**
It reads **10:29**
